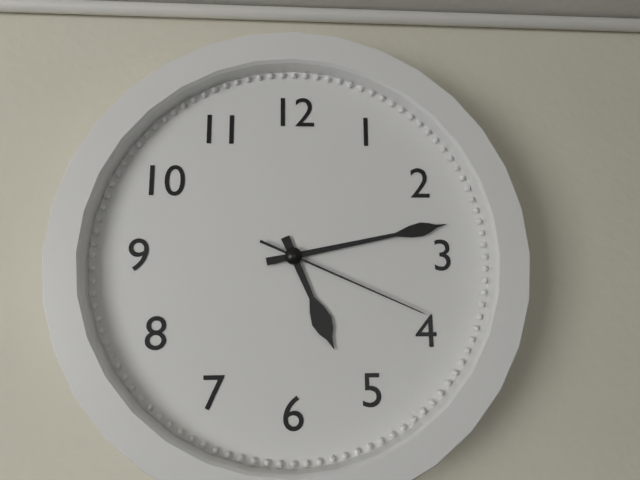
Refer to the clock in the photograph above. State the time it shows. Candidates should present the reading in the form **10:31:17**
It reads **5:13:19**
